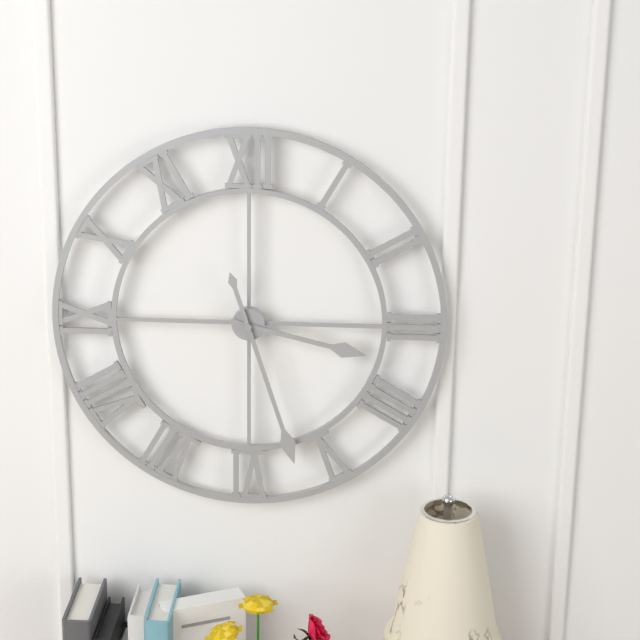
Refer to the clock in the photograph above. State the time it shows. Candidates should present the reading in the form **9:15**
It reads **3:27**
